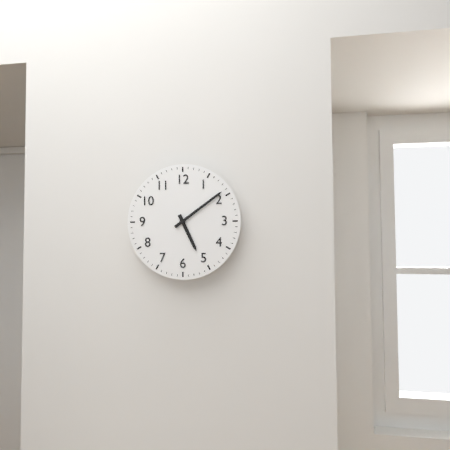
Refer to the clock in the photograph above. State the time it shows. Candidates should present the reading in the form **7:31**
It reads **5:09**
